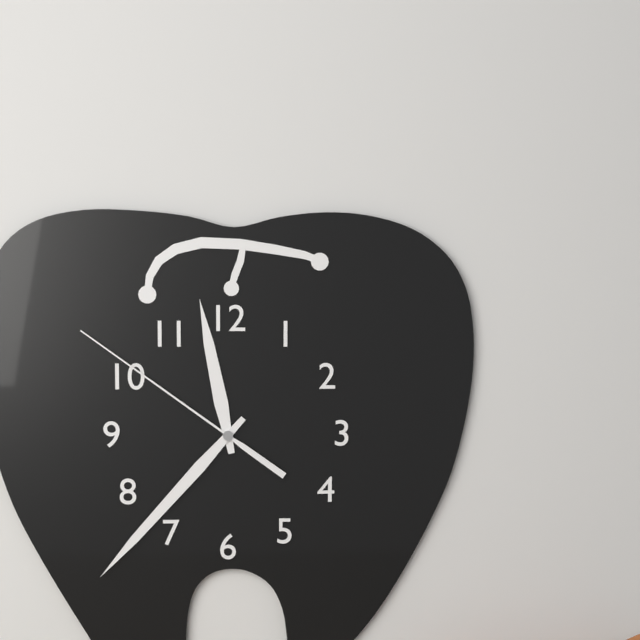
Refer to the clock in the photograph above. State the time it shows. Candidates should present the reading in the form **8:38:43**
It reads **11:37:51**
